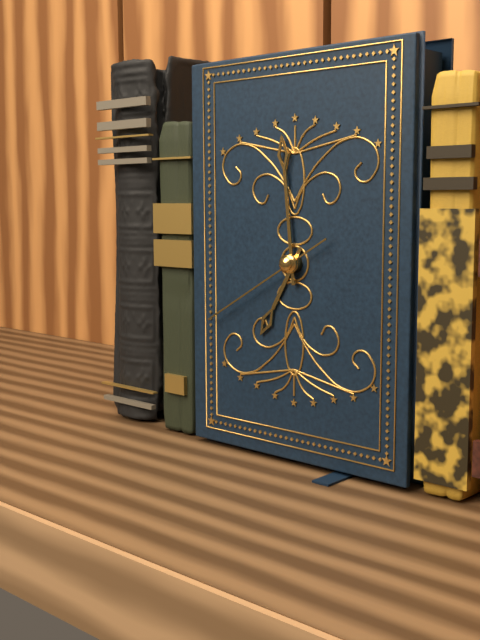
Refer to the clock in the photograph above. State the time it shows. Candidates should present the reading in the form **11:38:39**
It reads **6:59:40**
